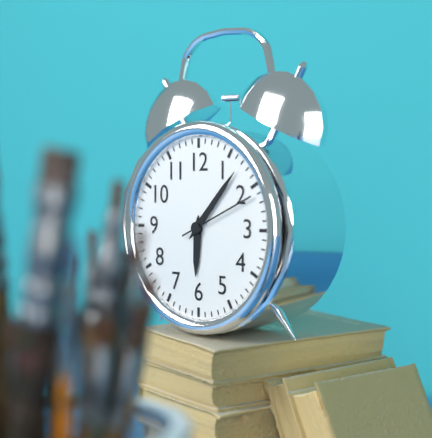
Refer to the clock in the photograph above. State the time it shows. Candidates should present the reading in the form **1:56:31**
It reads **6:07:11**
